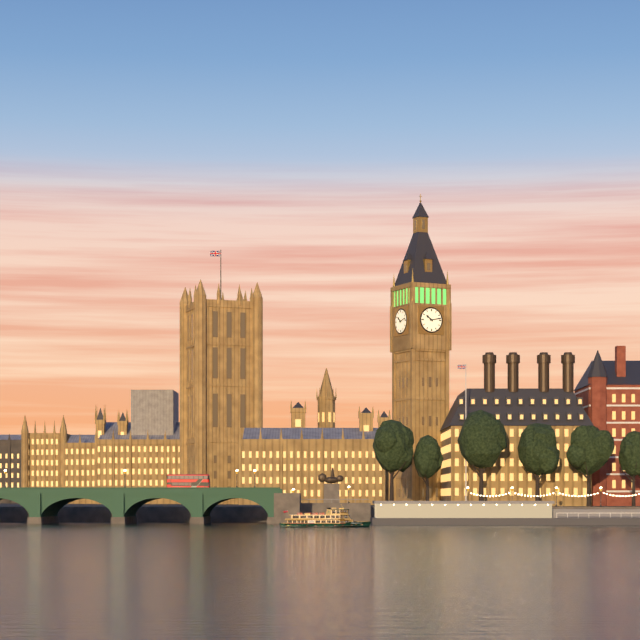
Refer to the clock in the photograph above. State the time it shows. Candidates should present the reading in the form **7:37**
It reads **10:13**
